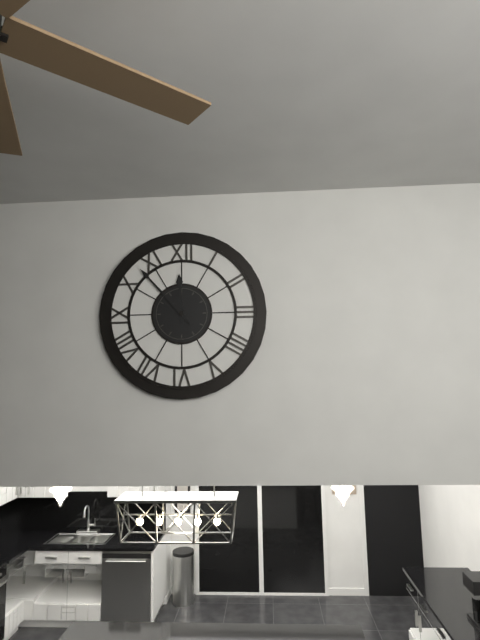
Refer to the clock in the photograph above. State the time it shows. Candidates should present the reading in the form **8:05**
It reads **11:53**
